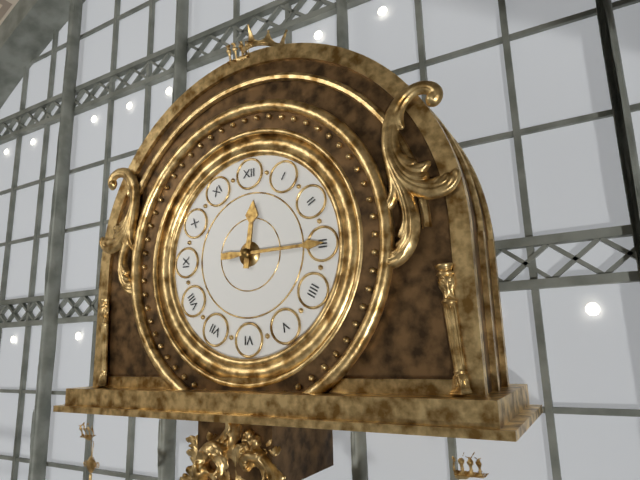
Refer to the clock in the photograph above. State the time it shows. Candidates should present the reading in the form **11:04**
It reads **12:15**
